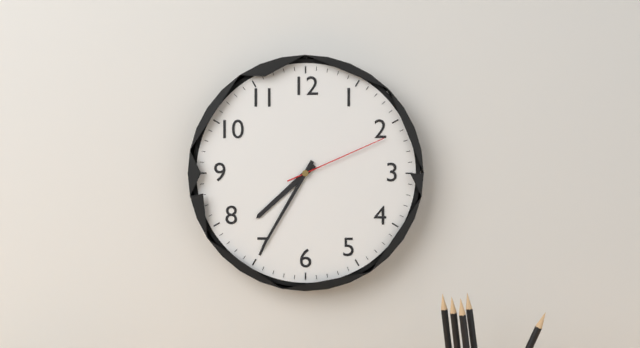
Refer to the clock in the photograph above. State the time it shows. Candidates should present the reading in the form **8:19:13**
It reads **7:35:11**
